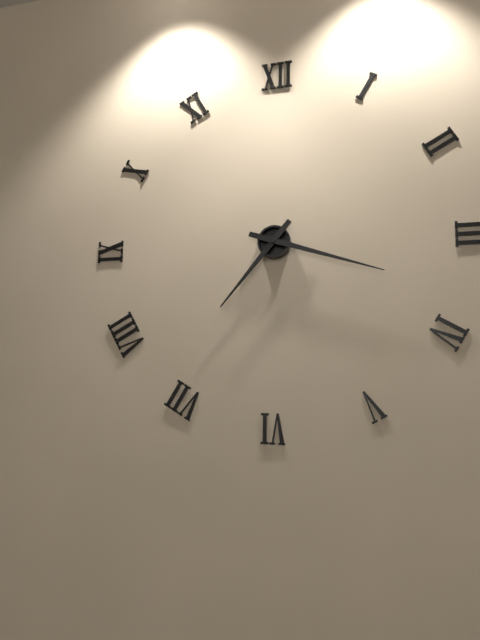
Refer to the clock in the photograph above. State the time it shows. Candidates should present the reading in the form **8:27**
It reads **7:18**
